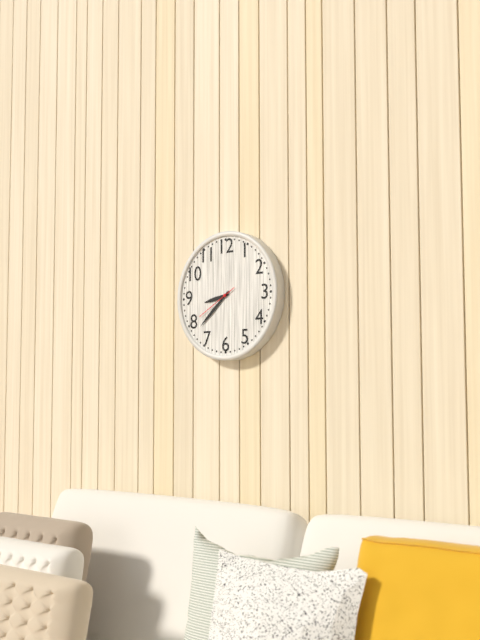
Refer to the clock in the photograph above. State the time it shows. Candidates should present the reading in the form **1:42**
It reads **8:38**
